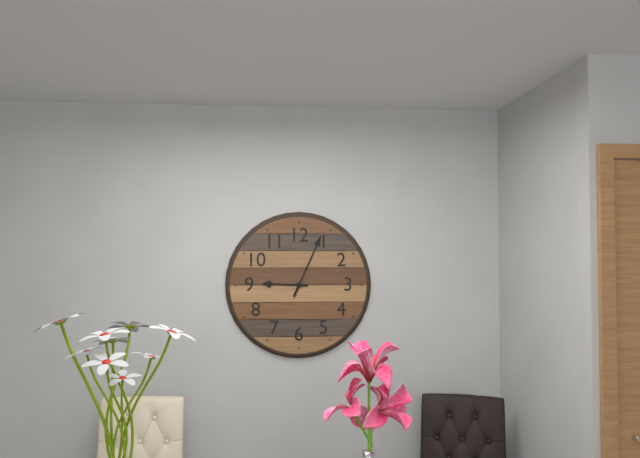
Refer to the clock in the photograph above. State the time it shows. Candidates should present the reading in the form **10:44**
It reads **9:04**
